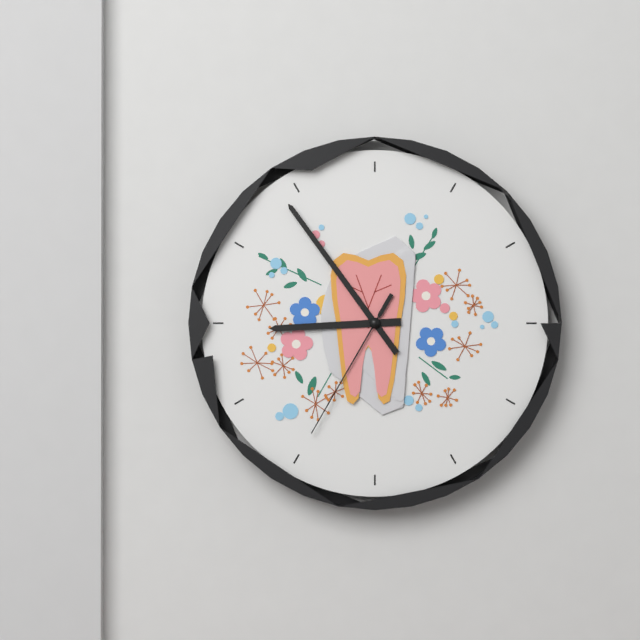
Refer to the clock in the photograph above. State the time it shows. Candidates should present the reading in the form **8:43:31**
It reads **8:54:35**
